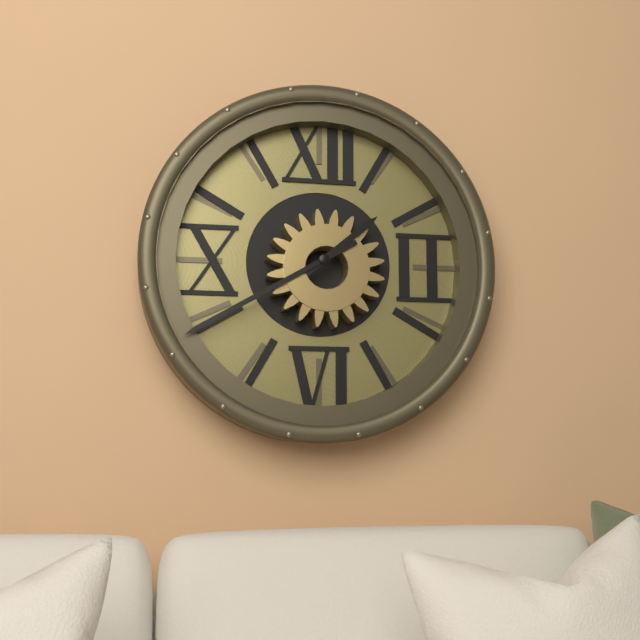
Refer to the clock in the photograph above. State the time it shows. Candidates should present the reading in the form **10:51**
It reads **1:40**
